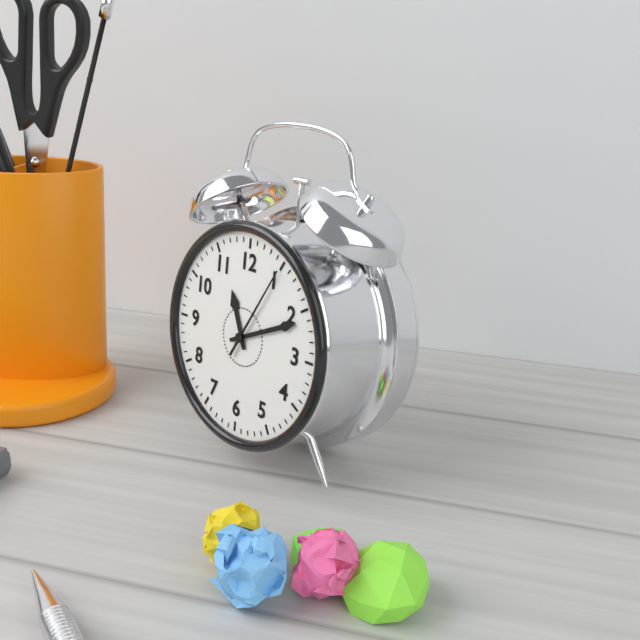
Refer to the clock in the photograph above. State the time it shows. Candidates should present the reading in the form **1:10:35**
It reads **11:11:05**
